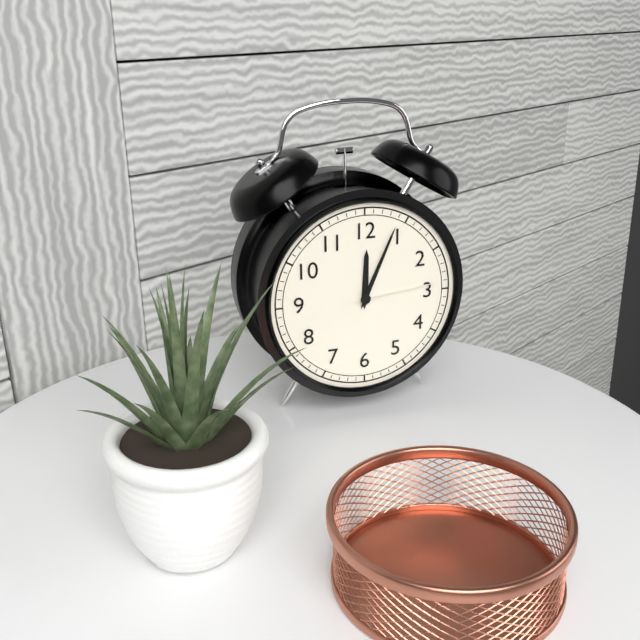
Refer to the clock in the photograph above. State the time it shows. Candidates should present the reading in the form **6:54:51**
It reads **12:04:14**
